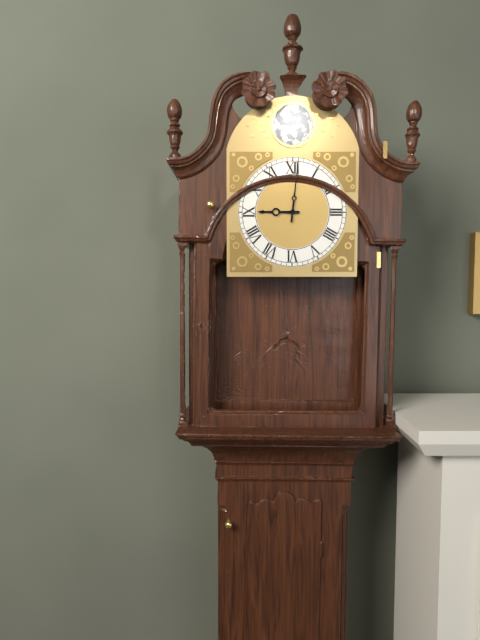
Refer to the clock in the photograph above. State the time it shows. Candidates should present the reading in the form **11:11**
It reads **9:01**
